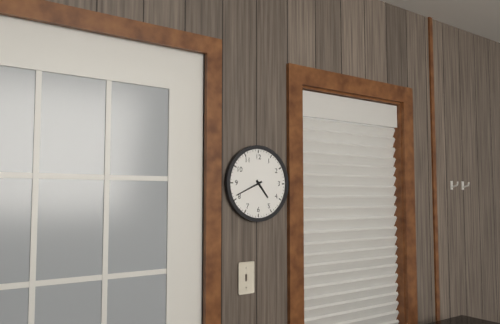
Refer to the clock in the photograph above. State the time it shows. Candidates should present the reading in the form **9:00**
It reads **4:41**
